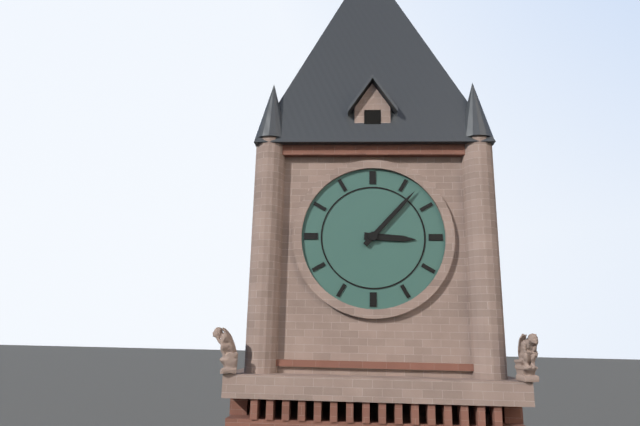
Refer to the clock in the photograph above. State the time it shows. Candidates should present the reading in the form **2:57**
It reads **3:07**
